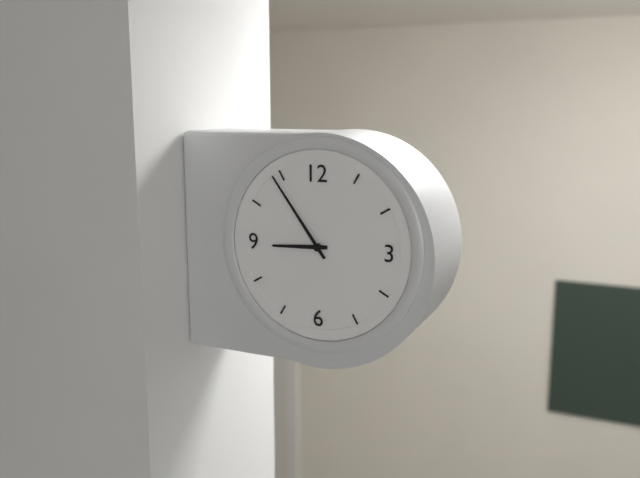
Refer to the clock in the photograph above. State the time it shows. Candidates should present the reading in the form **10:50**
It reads **8:54**
